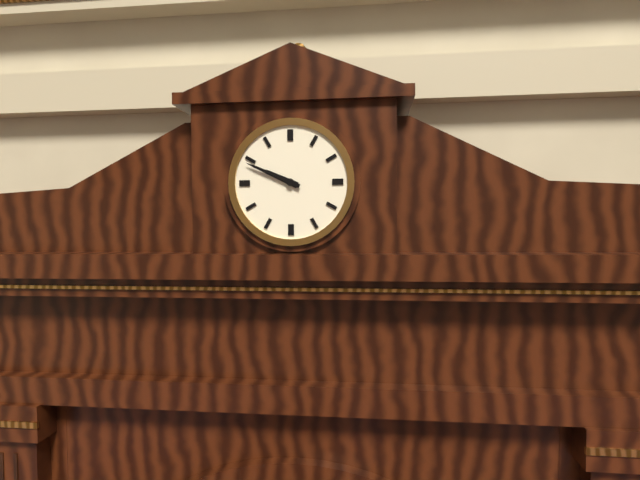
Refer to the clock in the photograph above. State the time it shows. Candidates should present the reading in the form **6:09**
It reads **9:49**
